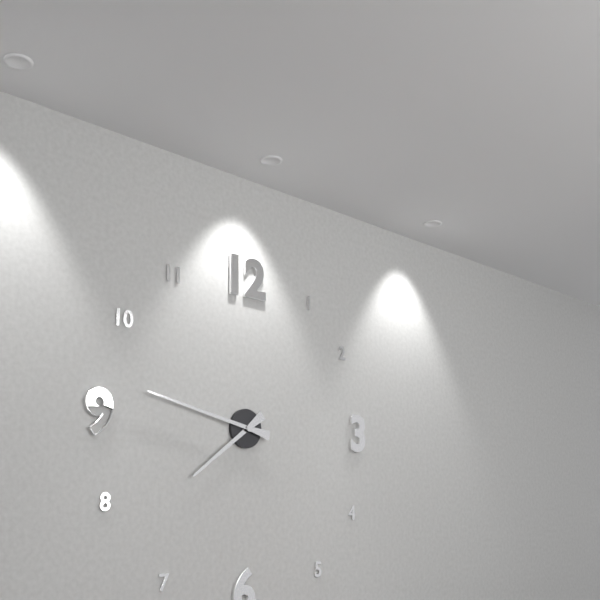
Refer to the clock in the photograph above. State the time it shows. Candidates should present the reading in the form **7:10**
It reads **7:47**
